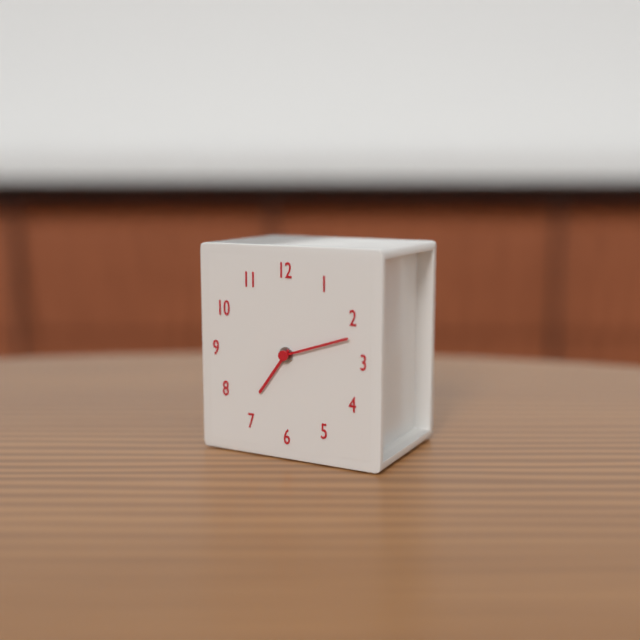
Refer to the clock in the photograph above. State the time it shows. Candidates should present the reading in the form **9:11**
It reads **7:12**
